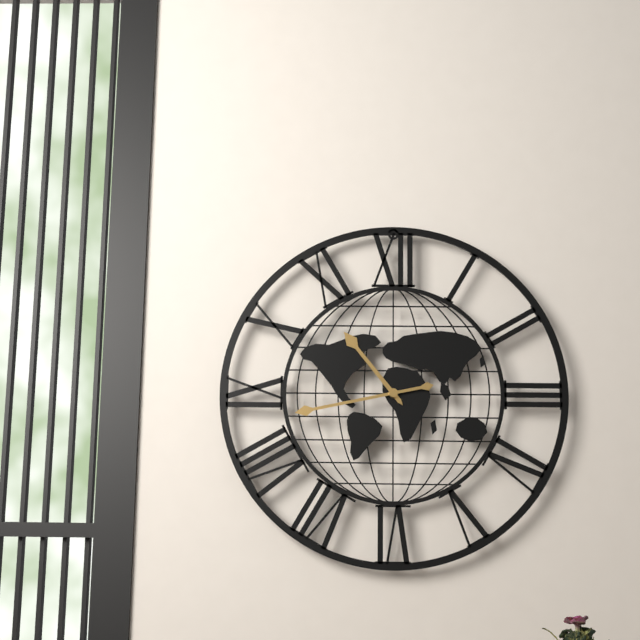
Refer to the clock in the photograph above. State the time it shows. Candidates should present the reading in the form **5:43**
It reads **10:43**
